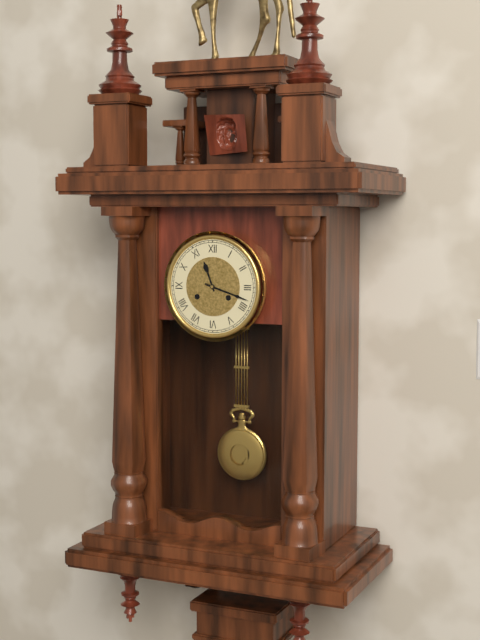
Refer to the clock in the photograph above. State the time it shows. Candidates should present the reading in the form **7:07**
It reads **11:18**
